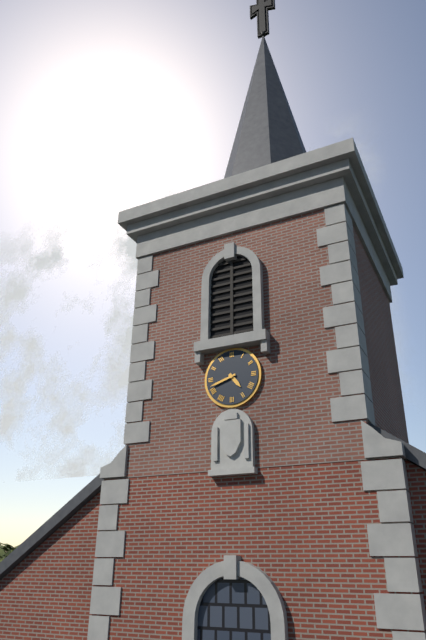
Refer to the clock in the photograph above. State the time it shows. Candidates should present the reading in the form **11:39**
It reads **4:42**
